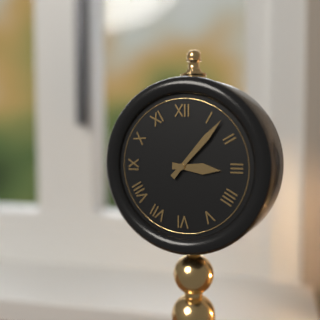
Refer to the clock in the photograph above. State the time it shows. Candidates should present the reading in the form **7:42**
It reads **3:07**
